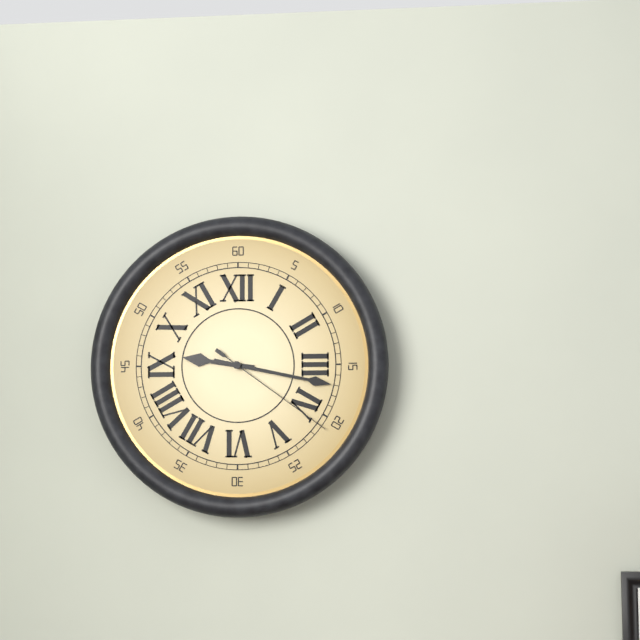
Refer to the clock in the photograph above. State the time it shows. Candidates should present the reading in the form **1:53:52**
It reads **9:17:21**
